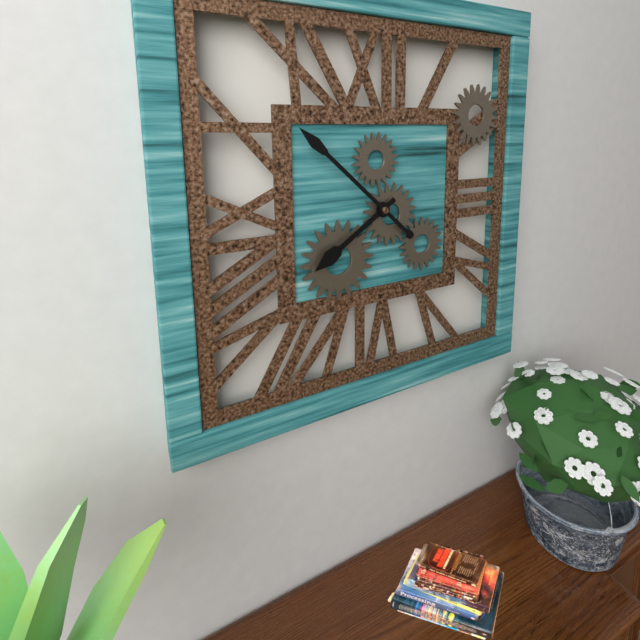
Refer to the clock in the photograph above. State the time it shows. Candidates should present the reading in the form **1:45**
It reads **7:52**
